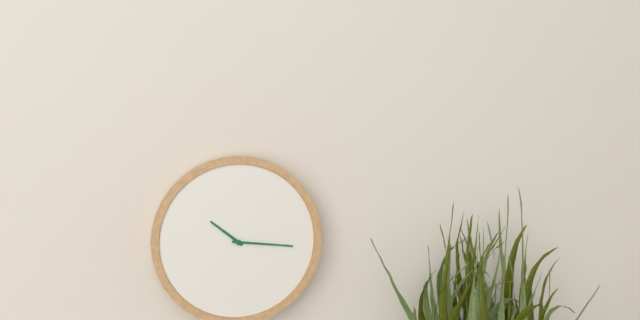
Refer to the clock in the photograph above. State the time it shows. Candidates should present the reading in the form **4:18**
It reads **10:16**
